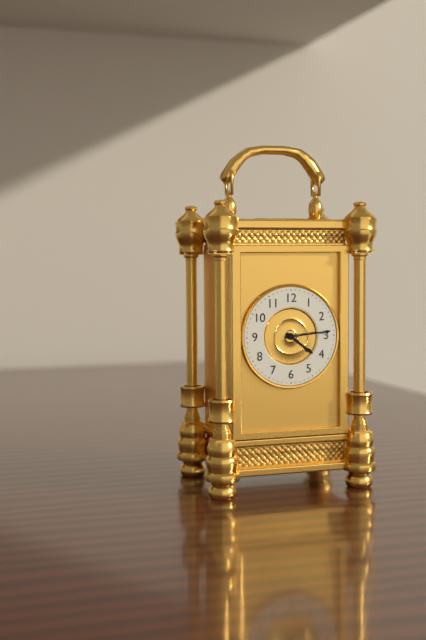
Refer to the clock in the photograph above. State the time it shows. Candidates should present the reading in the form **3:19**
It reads **4:14**
